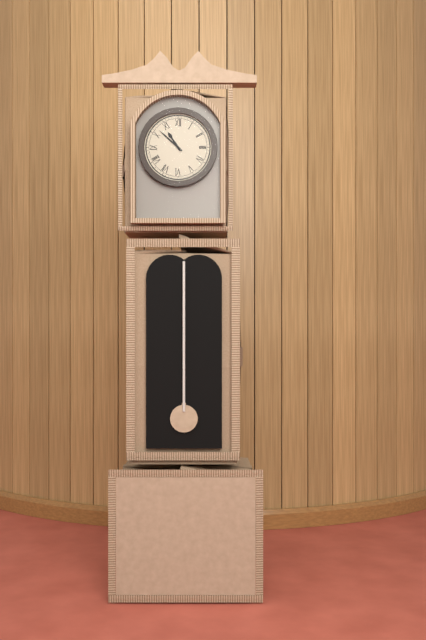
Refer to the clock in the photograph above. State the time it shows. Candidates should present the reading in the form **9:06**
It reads **10:52**
